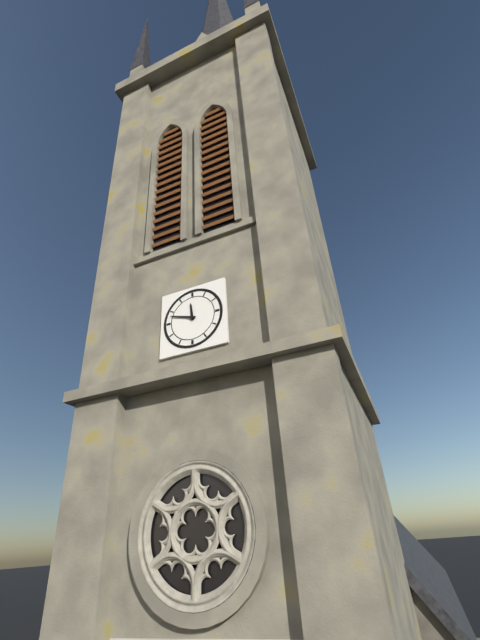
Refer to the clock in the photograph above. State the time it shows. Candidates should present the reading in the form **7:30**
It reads **11:48**
